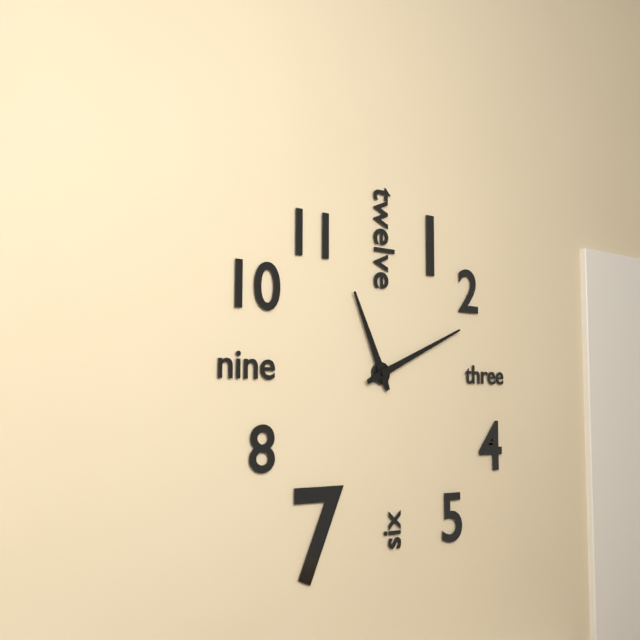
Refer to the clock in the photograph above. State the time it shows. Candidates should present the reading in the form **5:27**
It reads **11:11**
